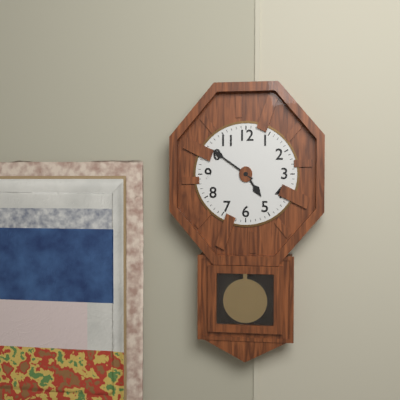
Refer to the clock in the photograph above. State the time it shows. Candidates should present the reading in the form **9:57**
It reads **4:51**
